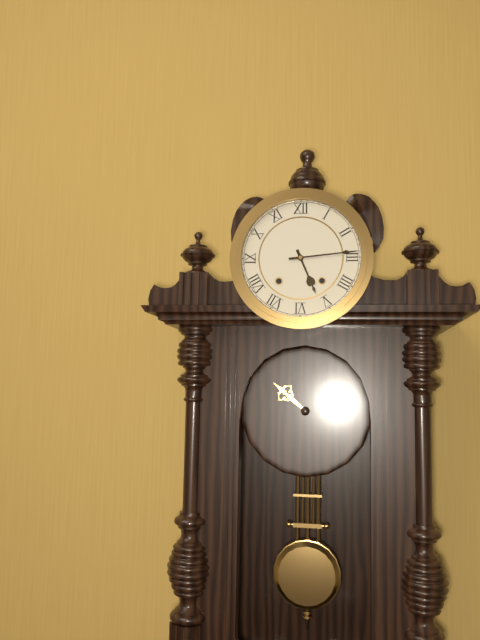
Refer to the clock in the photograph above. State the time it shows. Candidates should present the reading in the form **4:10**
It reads **5:14**
